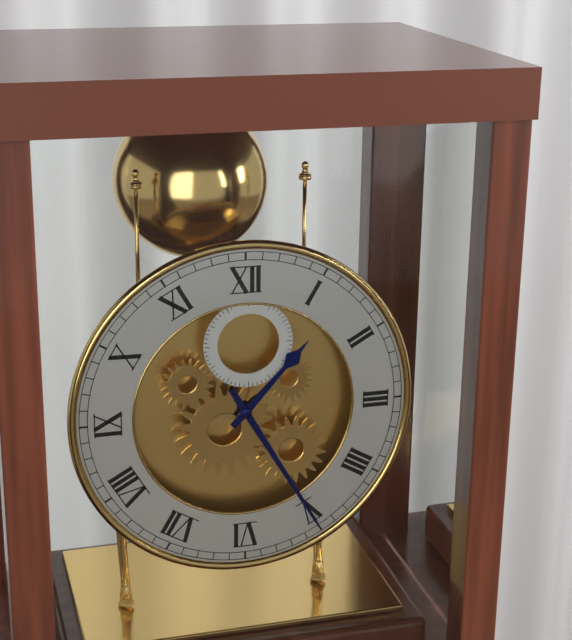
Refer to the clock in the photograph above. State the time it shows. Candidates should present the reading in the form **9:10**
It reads **1:25**
